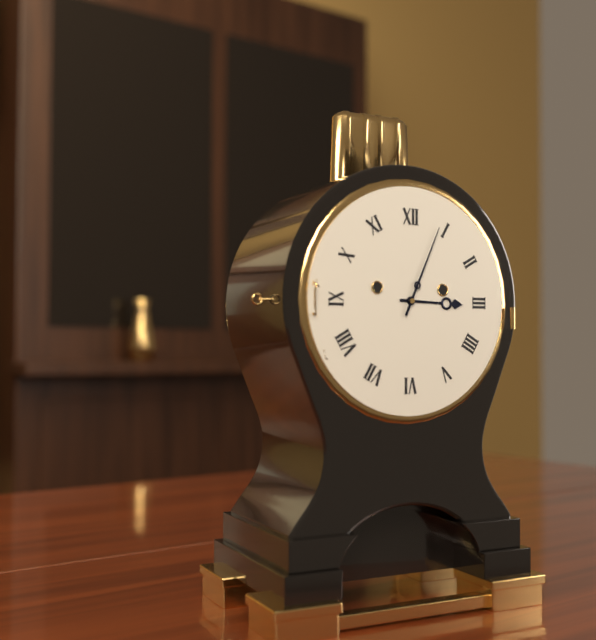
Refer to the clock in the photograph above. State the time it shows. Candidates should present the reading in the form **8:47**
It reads **3:04**
